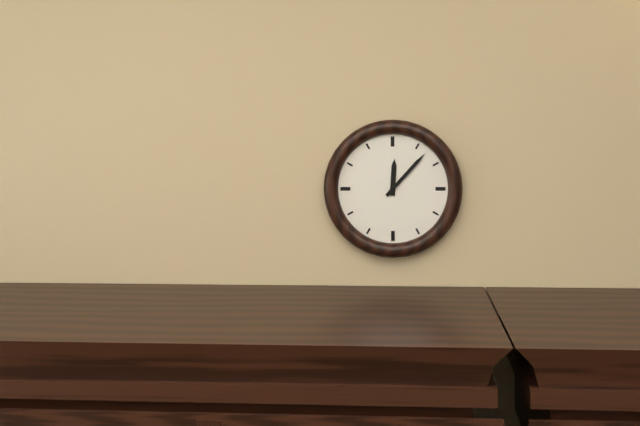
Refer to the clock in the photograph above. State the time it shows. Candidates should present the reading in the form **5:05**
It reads **12:07**
